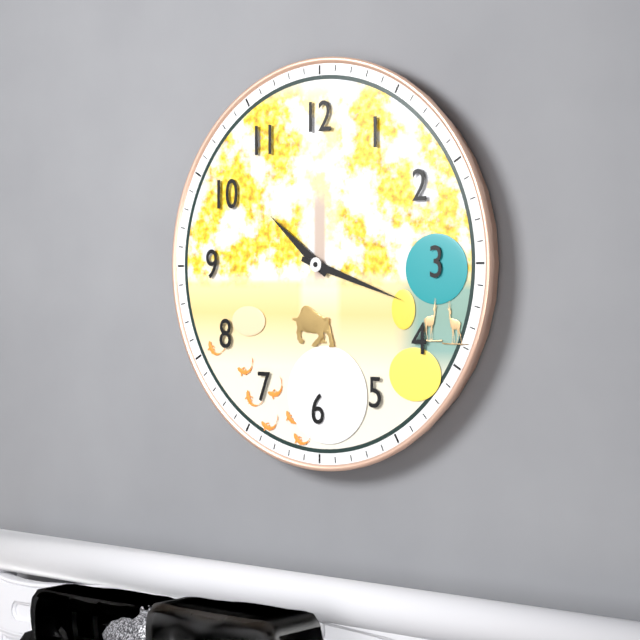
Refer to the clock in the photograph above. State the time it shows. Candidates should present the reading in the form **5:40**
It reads **10:18**
